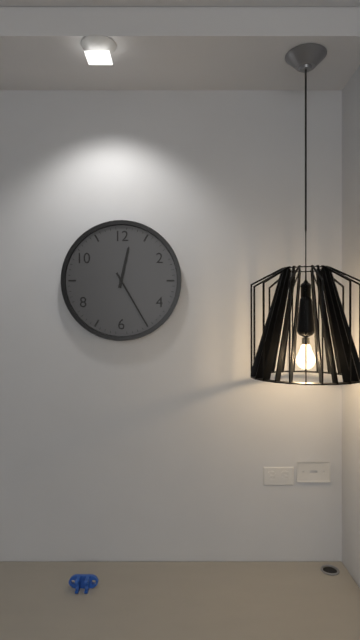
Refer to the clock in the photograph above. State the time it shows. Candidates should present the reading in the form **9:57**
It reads **12:25**
